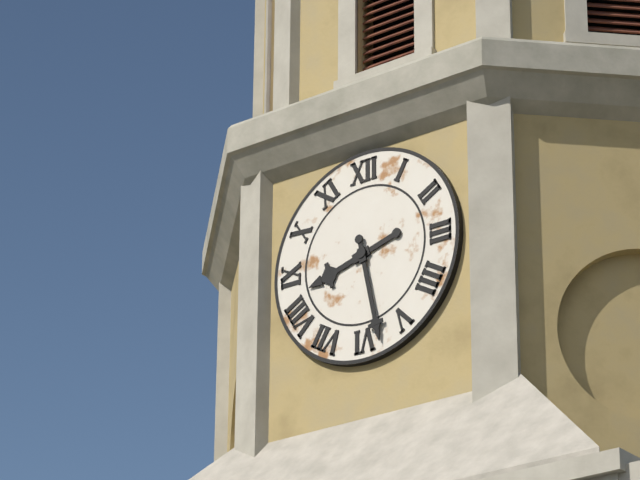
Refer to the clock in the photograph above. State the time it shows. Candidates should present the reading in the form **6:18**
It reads **8:28**
